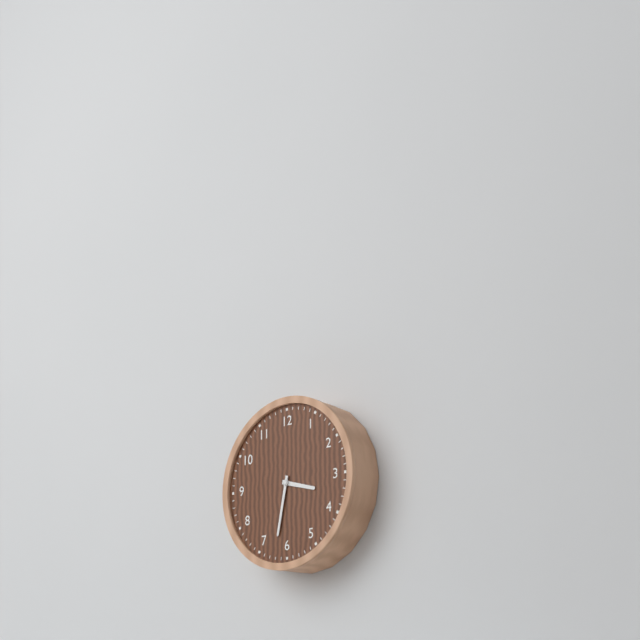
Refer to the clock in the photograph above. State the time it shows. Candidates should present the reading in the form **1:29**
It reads **3:32**
